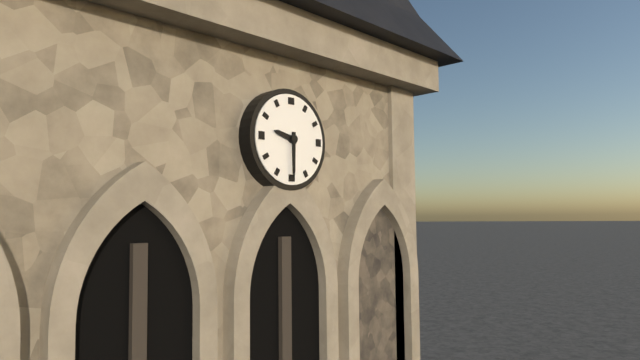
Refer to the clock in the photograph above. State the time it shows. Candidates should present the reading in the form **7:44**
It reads **9:30**
